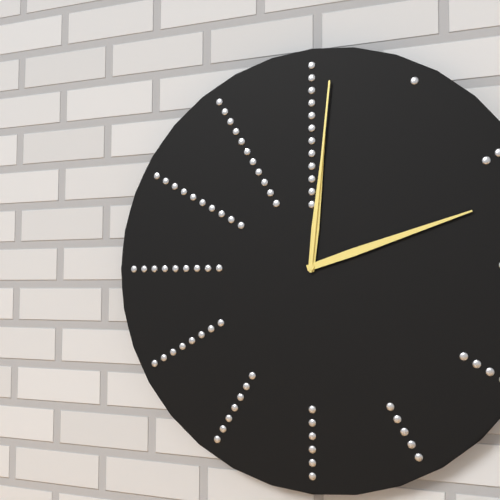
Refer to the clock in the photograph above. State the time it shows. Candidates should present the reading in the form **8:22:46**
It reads **12:12:01**
